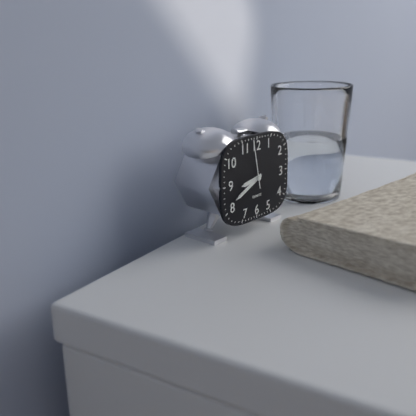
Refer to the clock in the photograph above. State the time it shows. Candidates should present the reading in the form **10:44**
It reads **8:41**
